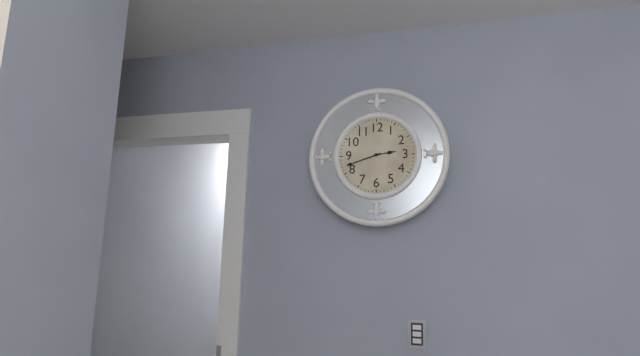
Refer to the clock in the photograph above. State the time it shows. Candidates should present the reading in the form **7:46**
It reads **2:42**
